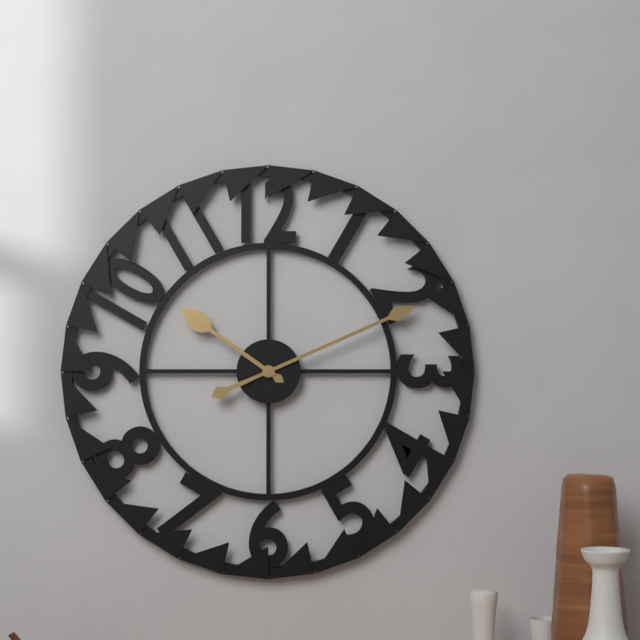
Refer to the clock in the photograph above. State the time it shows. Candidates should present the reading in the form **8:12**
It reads **10:11**
